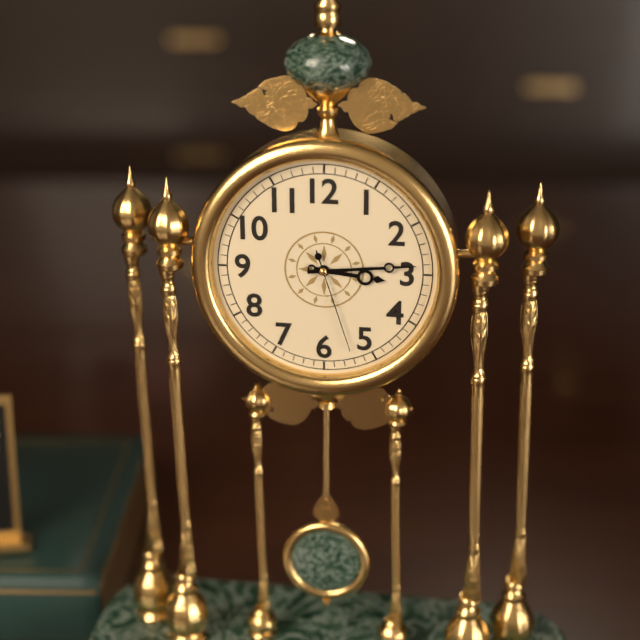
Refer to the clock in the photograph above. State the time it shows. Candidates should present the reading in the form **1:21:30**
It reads **3:14:27**
